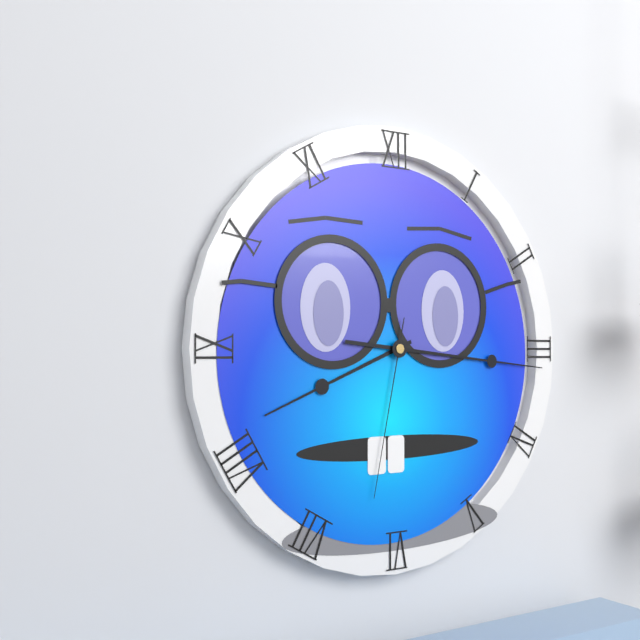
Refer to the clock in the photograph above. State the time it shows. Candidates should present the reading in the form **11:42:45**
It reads **8:16:32**
